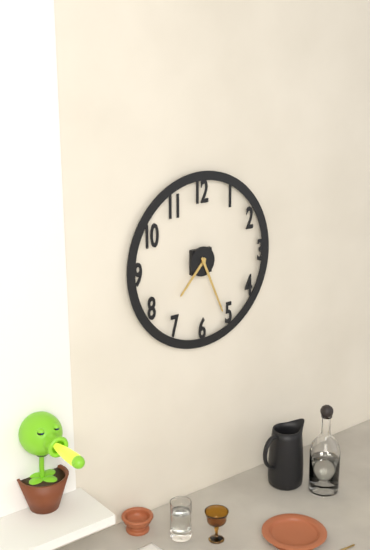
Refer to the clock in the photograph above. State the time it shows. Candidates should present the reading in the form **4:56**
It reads **7:26**
